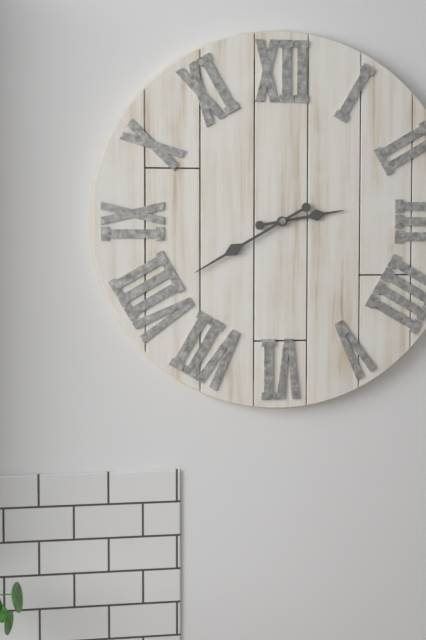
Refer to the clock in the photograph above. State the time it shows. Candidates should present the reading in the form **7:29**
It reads **2:40**
